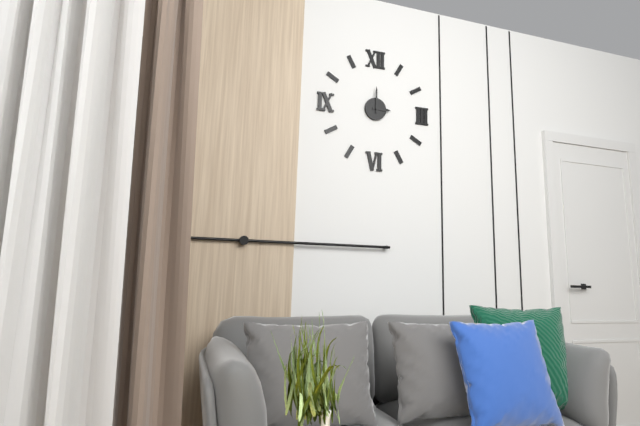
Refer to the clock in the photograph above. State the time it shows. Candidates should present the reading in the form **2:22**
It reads **3:00**
